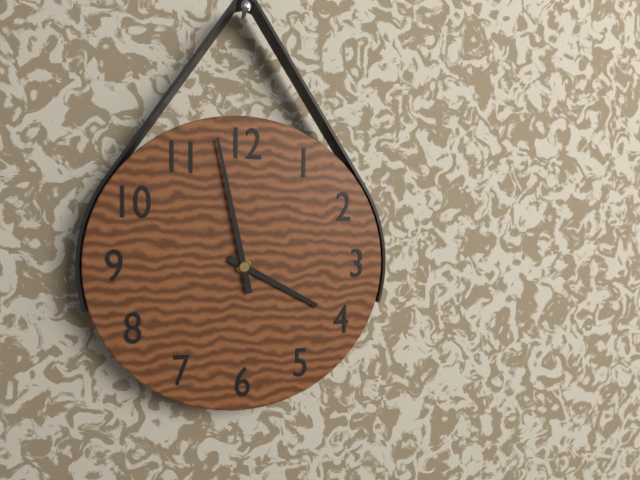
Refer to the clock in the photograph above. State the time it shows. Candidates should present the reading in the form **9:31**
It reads **3:58**
